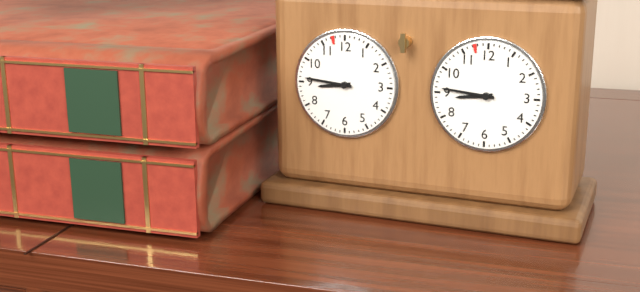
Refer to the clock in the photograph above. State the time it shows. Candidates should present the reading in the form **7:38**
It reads **8:46**
